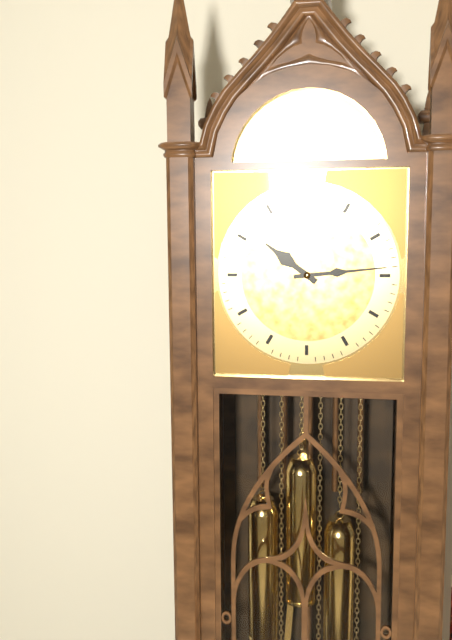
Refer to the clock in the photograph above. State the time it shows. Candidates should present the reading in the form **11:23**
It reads **10:14**
